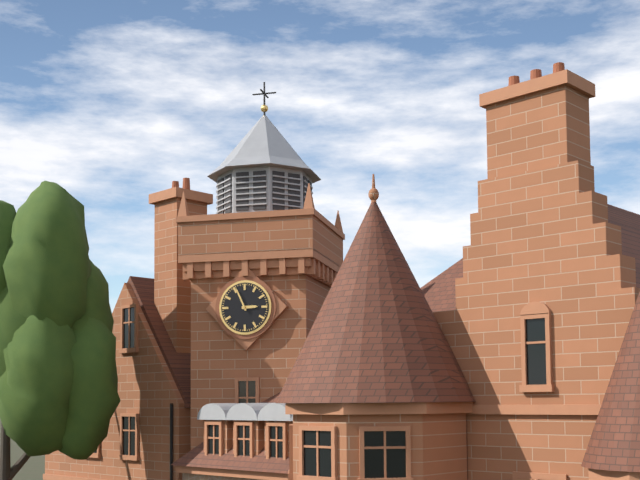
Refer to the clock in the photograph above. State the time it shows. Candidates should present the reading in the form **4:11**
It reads **2:56**
